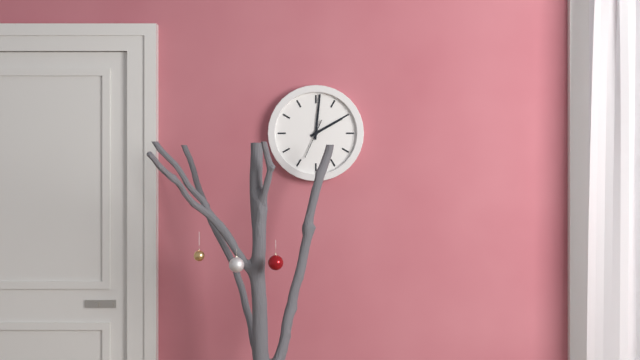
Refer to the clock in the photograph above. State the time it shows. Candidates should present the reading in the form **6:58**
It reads **2:01**
